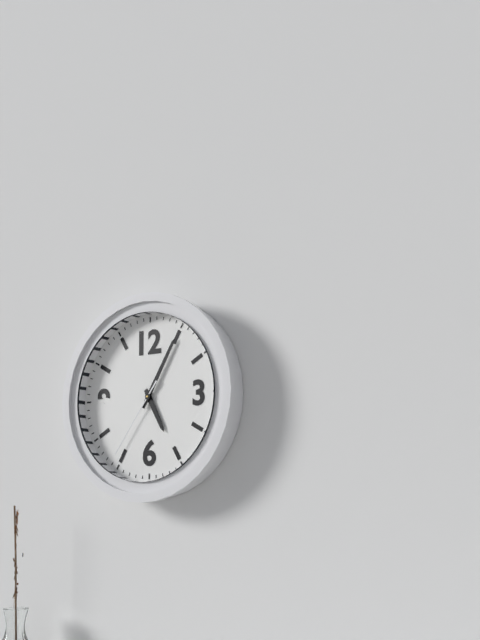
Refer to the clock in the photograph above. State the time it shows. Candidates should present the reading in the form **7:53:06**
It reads **5:05:36**
